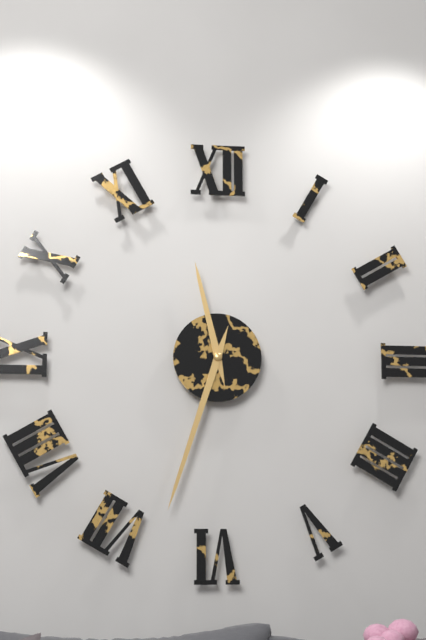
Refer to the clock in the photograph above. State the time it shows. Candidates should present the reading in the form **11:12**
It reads **11:33**
